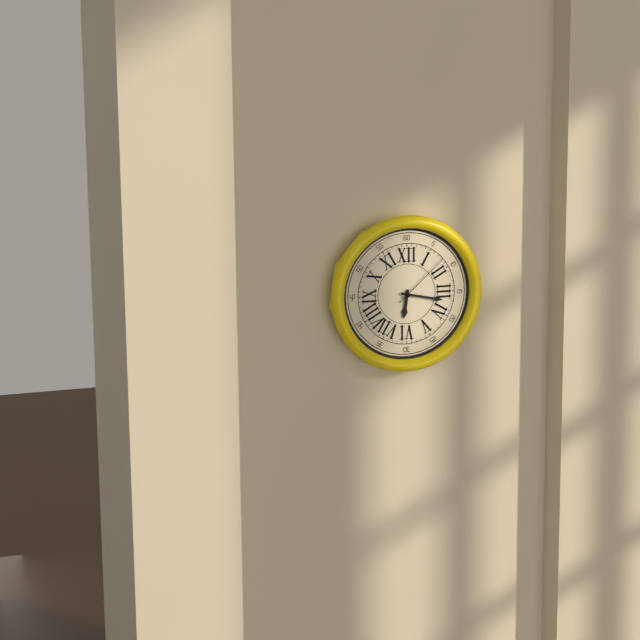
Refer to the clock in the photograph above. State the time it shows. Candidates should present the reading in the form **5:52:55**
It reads **6:17:08**
